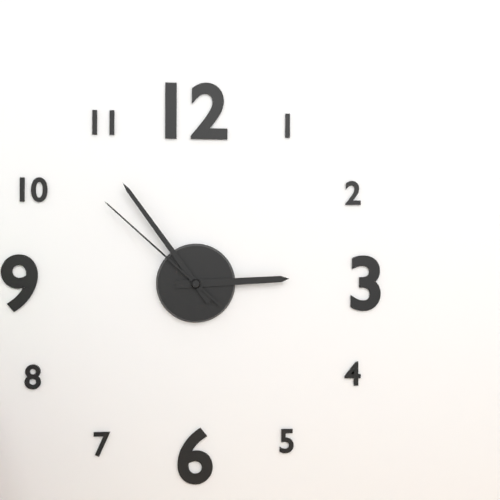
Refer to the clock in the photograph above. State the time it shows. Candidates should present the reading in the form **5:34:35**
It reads **2:54:52**
